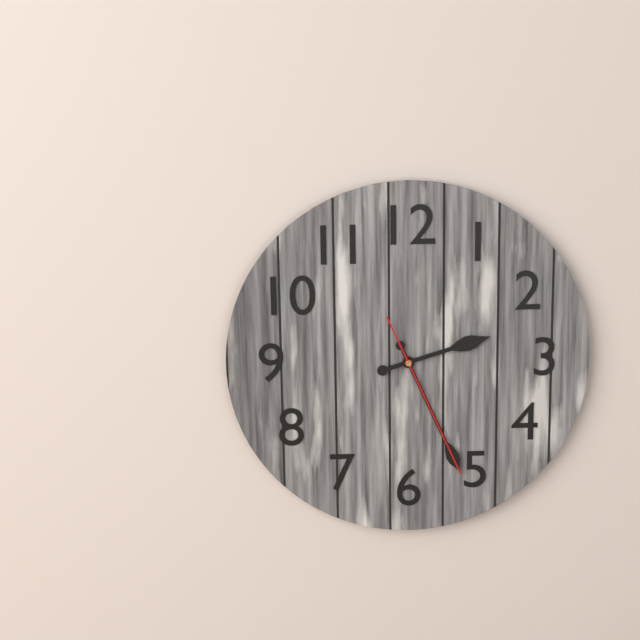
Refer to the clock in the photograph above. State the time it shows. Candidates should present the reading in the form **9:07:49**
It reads **2:26:26**
